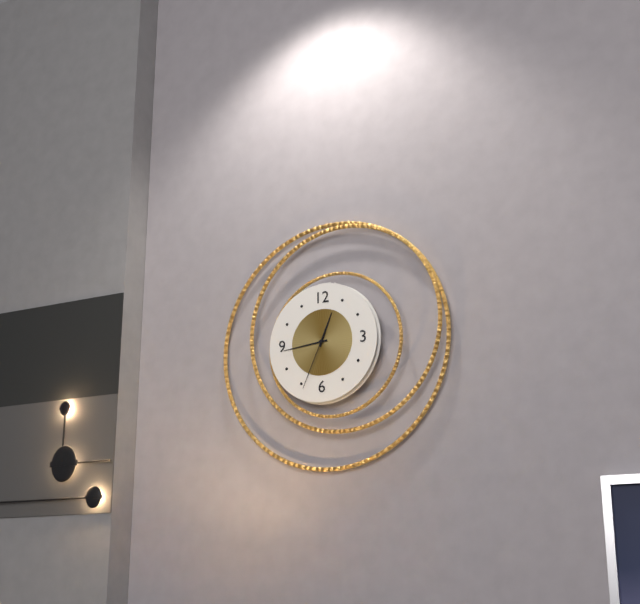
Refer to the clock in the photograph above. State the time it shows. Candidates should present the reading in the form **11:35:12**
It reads **12:44:34**
